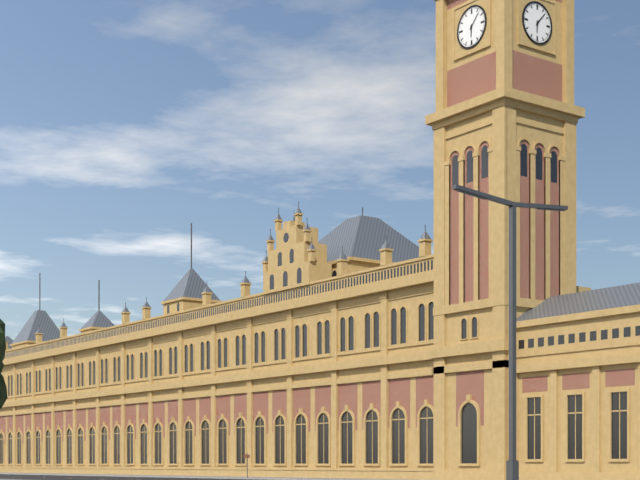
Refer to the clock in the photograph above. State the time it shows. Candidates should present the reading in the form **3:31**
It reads **6:07**
